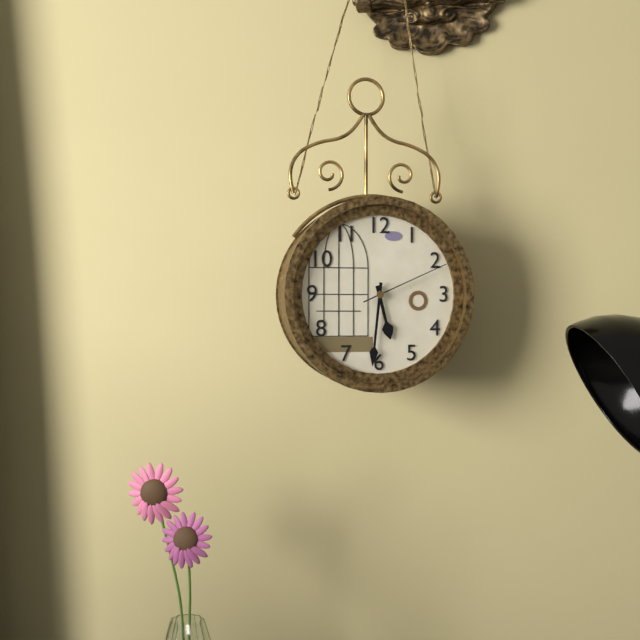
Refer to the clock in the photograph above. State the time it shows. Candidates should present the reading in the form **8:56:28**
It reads **5:31:11**
